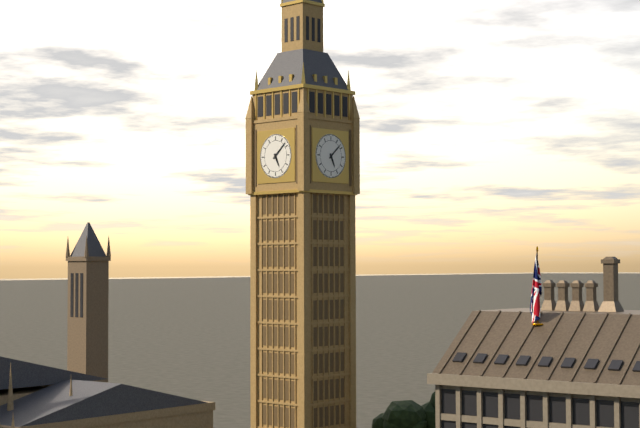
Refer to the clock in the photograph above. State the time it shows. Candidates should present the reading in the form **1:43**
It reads **5:08**
